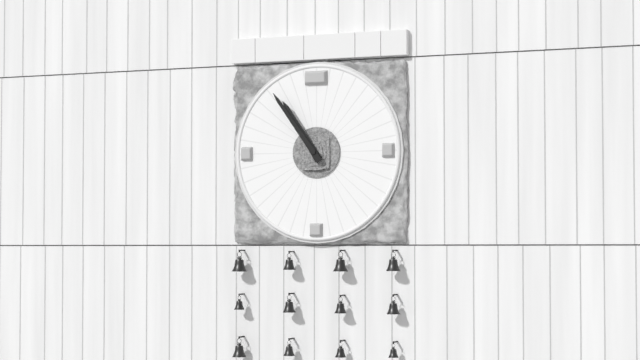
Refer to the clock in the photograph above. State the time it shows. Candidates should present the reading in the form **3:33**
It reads **10:54**
